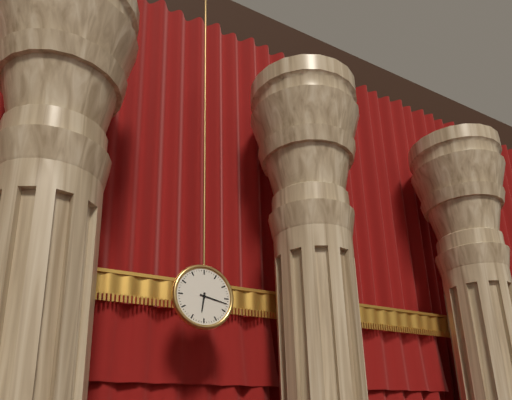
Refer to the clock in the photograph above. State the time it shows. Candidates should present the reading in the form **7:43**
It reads **6:17**
